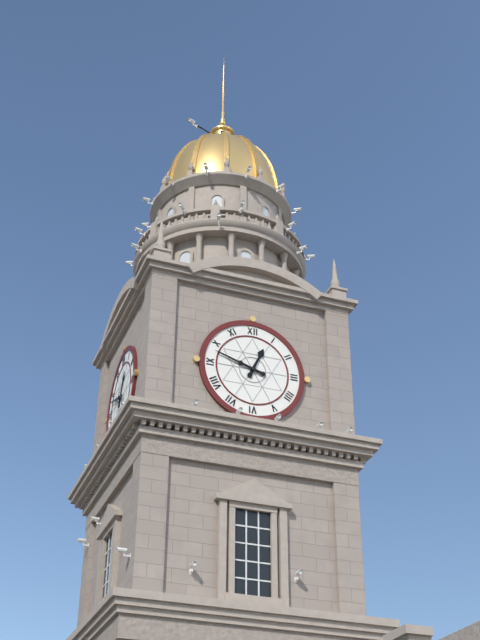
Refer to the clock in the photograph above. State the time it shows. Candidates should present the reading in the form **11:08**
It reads **12:48**
